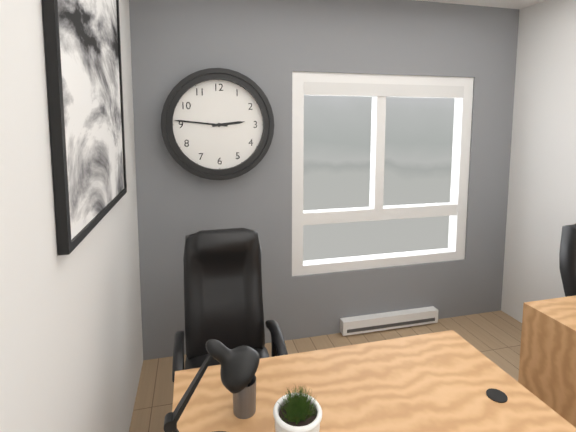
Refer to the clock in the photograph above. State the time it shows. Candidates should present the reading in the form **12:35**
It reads **2:46**
